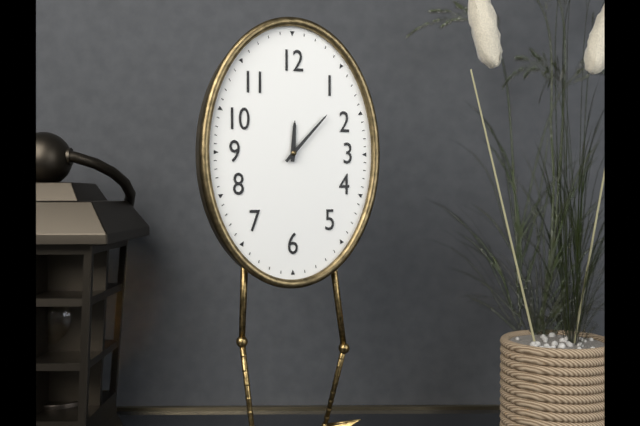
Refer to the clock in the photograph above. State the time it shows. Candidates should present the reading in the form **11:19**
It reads **12:07**
